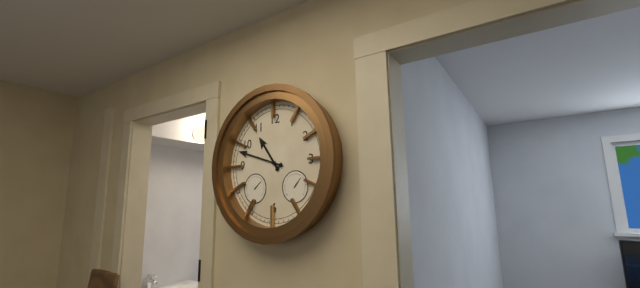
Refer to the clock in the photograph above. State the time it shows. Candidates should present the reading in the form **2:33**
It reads **10:48**
